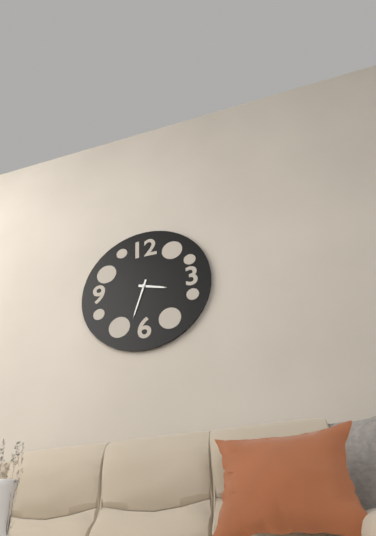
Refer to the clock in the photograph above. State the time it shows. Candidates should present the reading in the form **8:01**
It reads **3:33**
